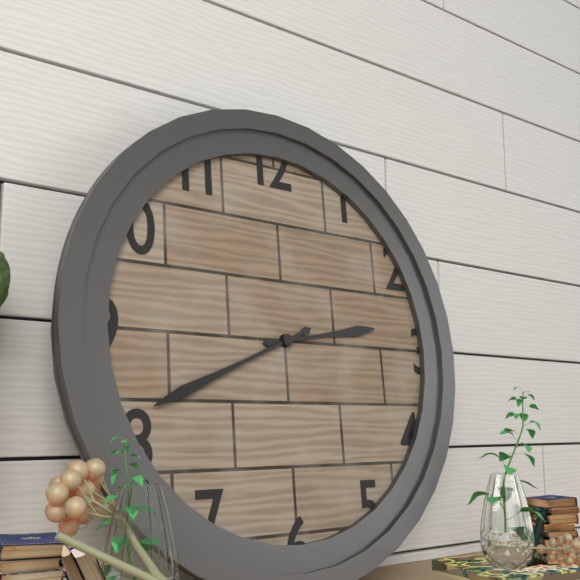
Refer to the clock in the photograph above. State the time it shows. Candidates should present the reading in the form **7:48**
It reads **2:41**
